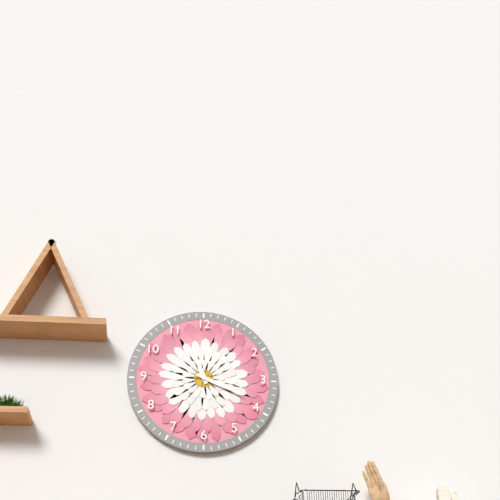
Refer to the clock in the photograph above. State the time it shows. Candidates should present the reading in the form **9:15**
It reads **11:19**
